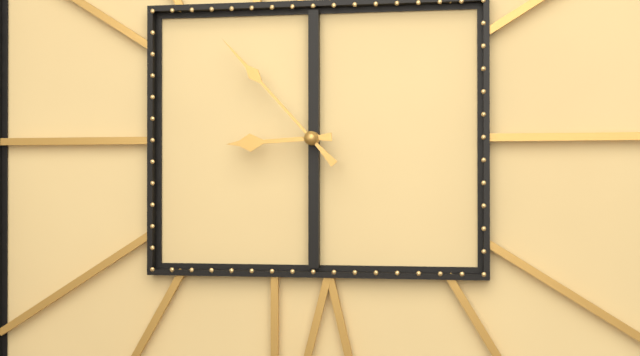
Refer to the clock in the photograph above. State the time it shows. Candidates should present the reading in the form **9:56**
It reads **8:53**
